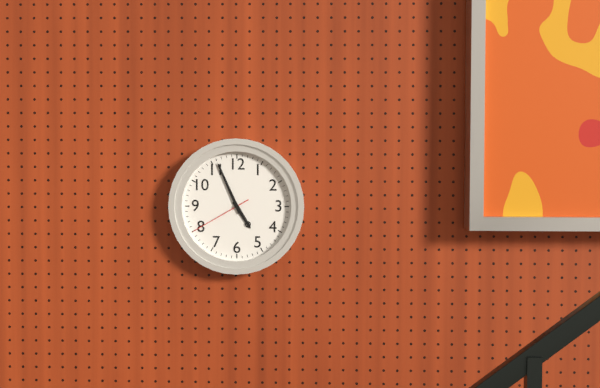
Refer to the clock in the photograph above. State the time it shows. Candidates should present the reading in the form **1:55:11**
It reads **4:56:40**
